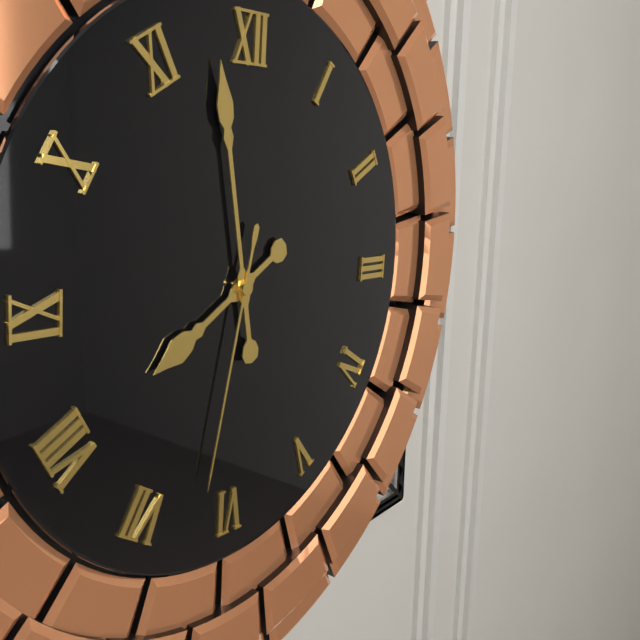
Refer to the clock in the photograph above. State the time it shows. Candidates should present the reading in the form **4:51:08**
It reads **7:58:32**
